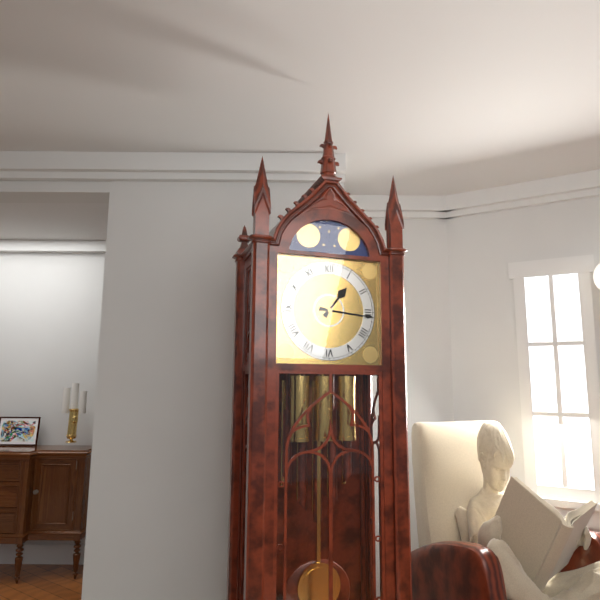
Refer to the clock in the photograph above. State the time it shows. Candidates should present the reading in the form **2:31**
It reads **1:16**
